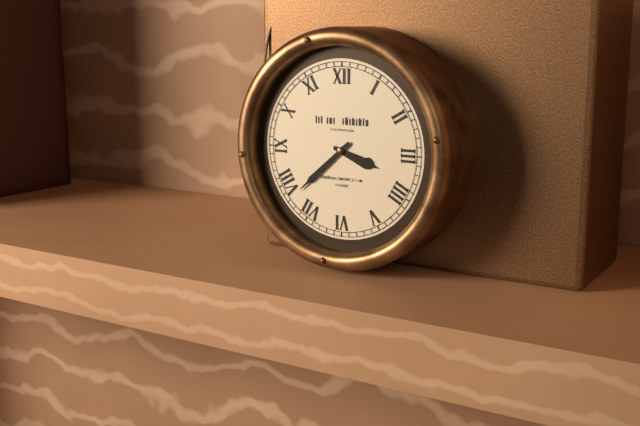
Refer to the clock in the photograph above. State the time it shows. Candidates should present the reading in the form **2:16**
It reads **3:38**
